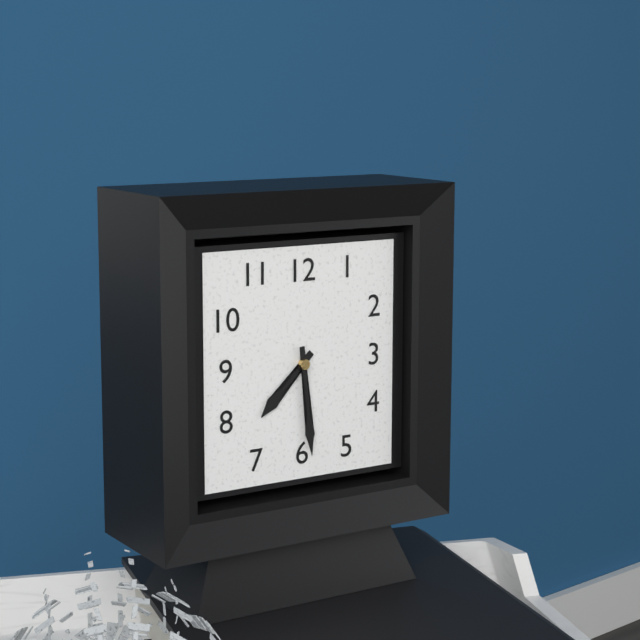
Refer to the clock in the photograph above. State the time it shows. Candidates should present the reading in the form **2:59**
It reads **7:29**
